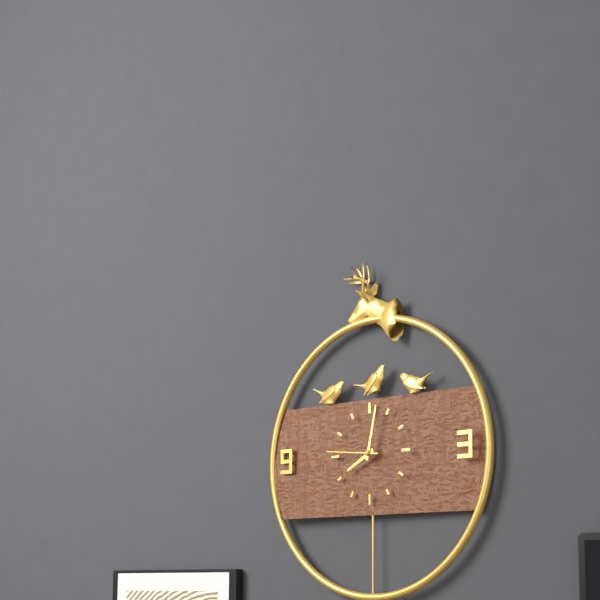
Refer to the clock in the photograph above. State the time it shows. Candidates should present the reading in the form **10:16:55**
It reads **8:02:46**
